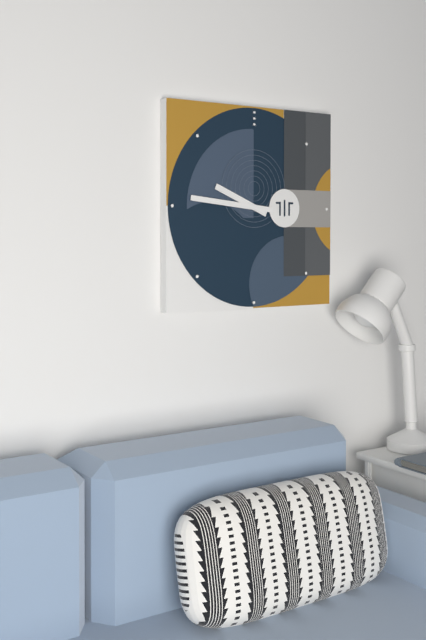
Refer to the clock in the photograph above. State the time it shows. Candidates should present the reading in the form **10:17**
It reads **9:46**
